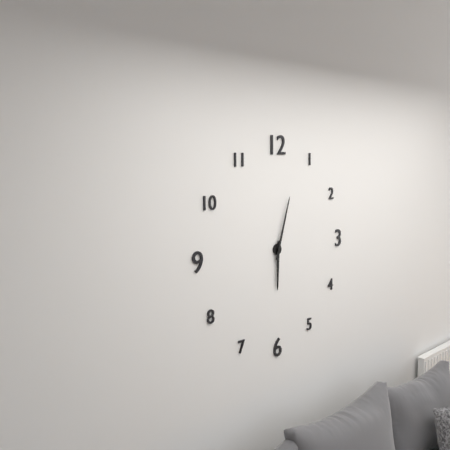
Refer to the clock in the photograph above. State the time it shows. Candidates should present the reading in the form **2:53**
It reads **6:03**
